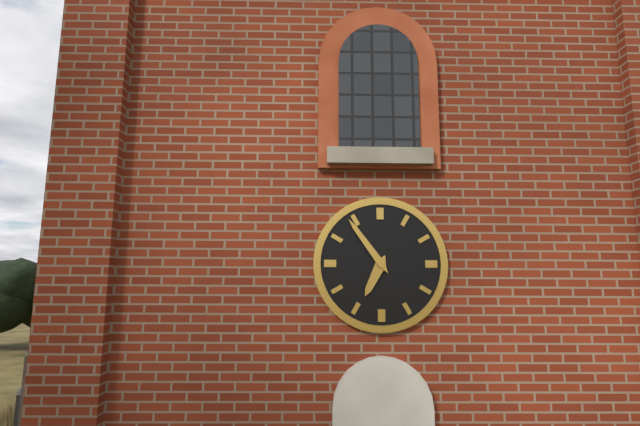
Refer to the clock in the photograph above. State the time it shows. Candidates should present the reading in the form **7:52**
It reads **6:54**
